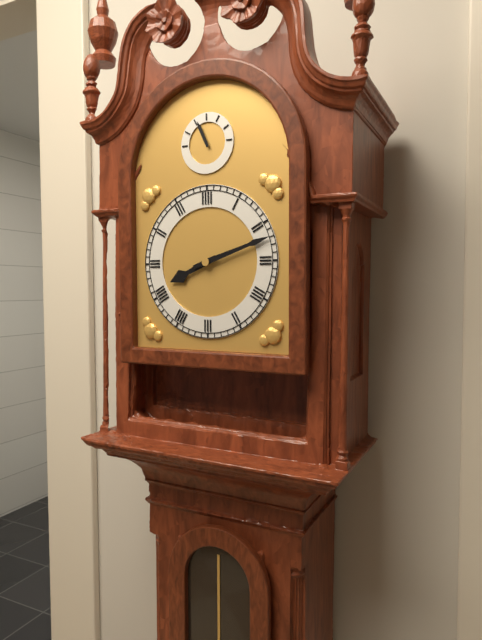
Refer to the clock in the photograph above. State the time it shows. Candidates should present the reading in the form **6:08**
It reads **8:12**
